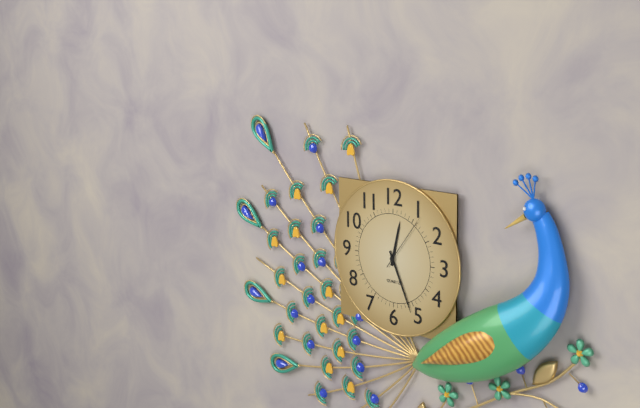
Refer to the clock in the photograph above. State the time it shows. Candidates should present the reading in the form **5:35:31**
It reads **12:26:06**
